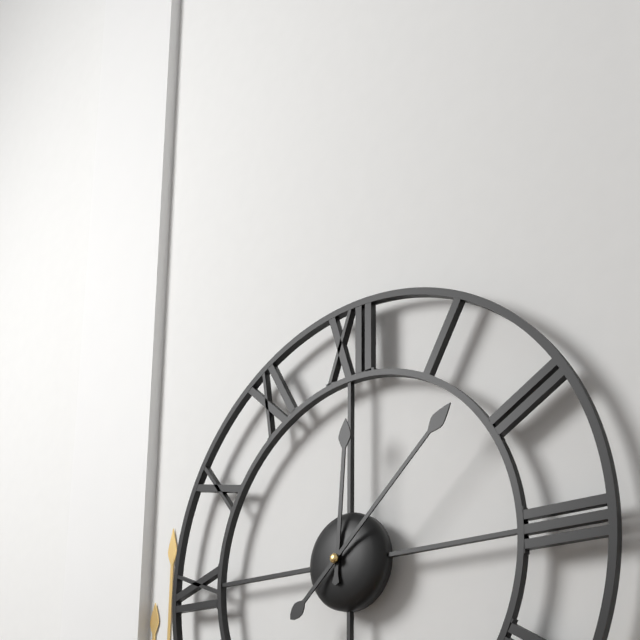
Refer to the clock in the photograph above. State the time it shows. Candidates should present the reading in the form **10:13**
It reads **12:08**
